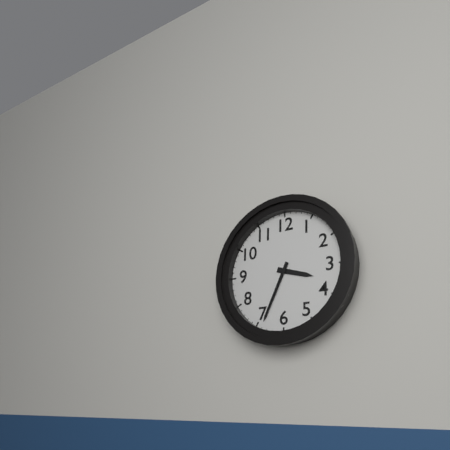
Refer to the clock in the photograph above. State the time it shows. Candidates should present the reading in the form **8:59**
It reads **3:34**
